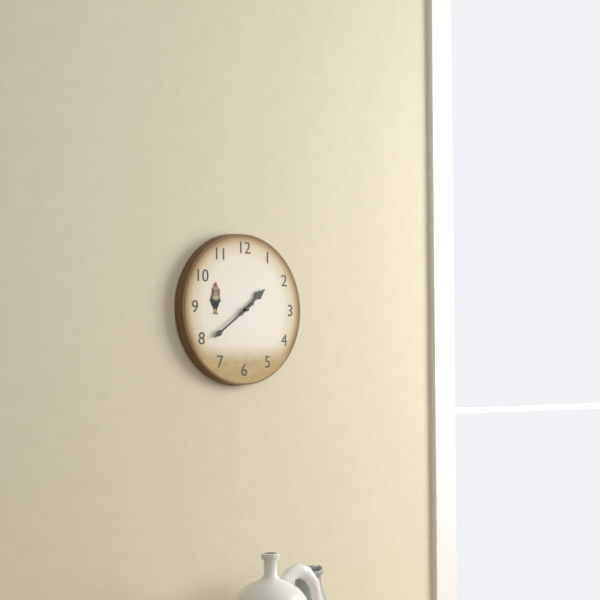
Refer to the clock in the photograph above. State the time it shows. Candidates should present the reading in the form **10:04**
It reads **1:39**
